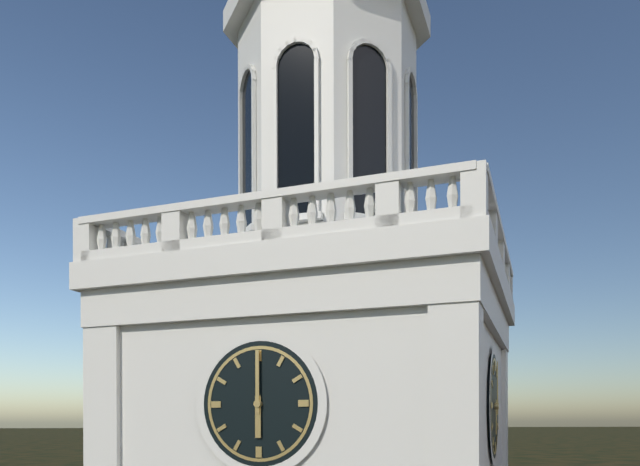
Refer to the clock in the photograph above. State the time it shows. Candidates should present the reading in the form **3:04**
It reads **6:00**
